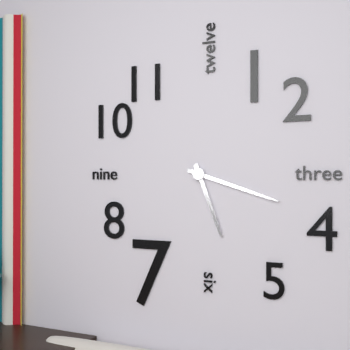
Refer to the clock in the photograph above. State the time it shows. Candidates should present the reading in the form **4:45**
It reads **5:18**
